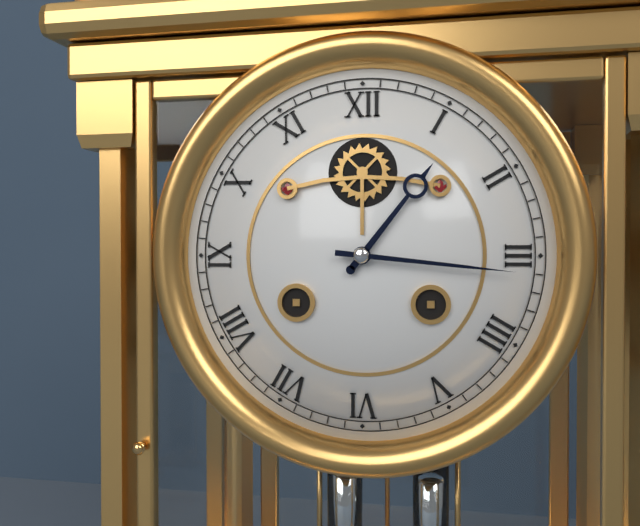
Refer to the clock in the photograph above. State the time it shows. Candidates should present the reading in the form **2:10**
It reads **1:16**
